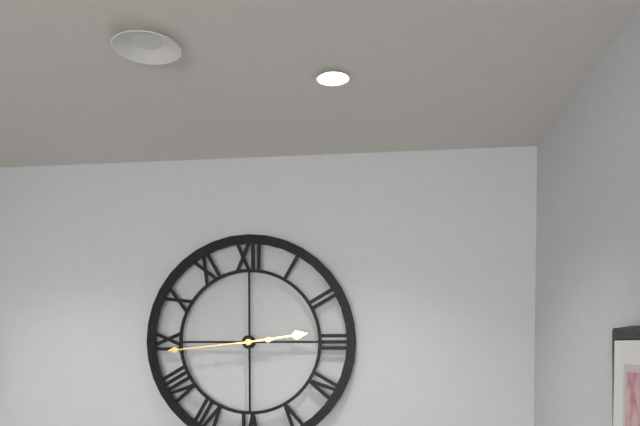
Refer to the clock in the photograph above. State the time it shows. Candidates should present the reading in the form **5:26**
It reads **2:44**
